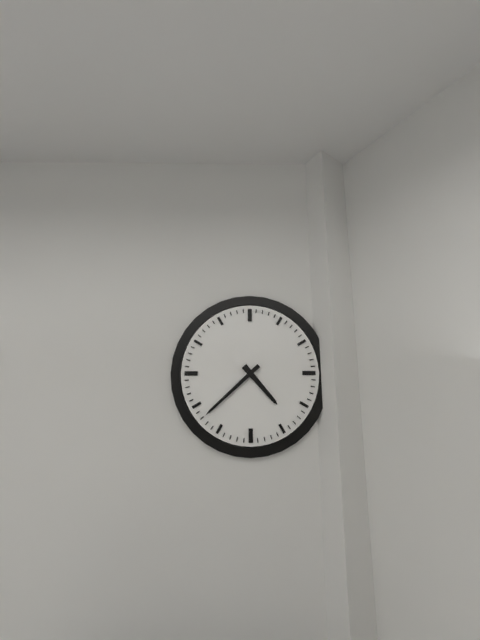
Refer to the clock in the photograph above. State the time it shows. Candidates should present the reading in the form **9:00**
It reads **4:38**
